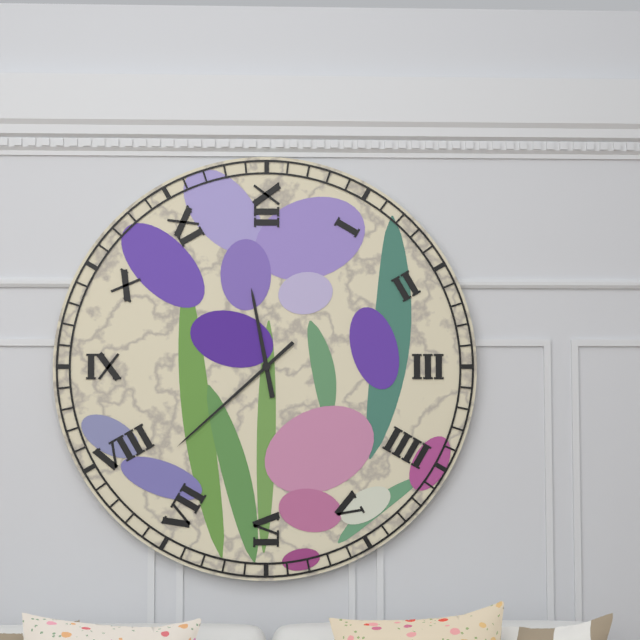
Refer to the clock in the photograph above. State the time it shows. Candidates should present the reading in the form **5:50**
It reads **11:38**
